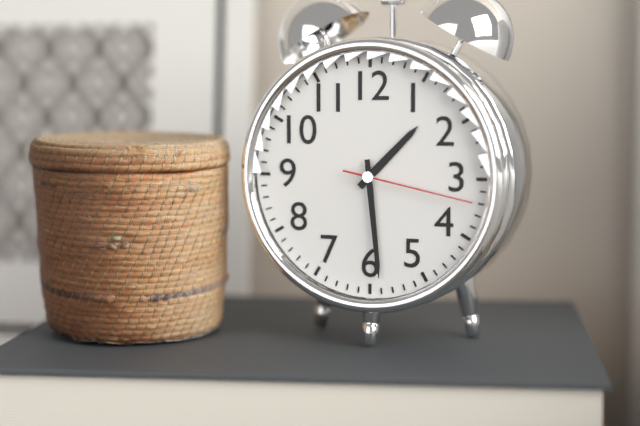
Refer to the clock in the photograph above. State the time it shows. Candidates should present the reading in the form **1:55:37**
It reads **1:29:17**
